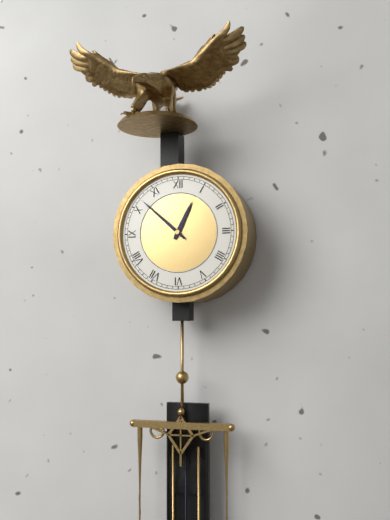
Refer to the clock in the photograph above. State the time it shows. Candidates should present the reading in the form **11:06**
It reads **12:52**
